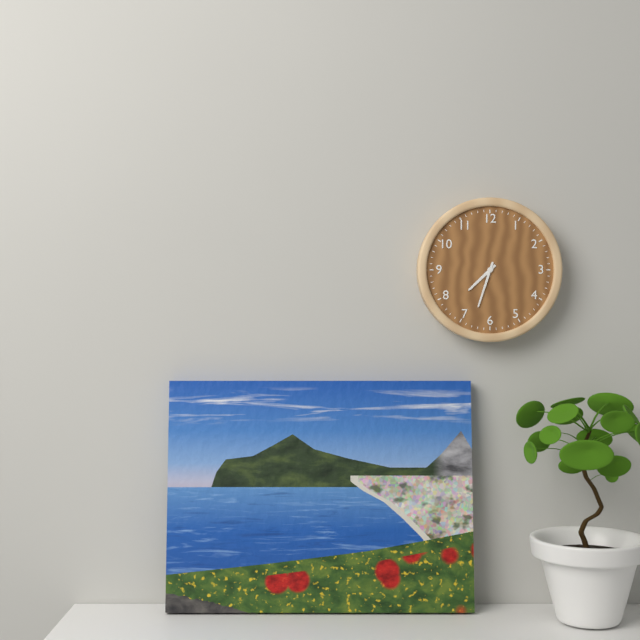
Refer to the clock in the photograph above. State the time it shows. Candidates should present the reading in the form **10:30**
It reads **7:33**
